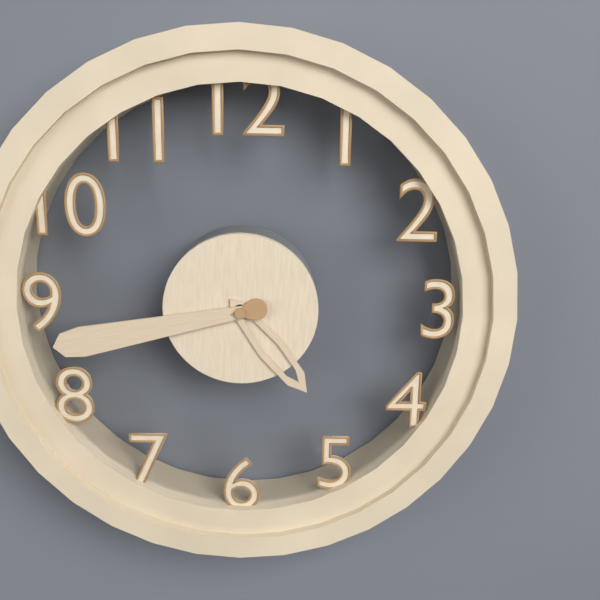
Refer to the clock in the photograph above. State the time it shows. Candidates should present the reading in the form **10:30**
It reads **4:43**
